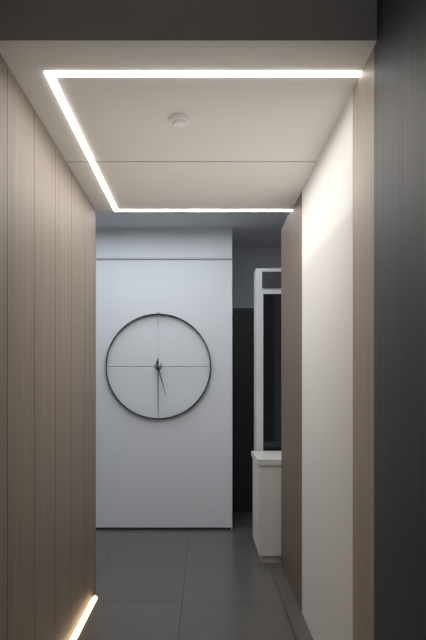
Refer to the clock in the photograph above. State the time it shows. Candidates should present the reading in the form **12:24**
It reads **5:30**
